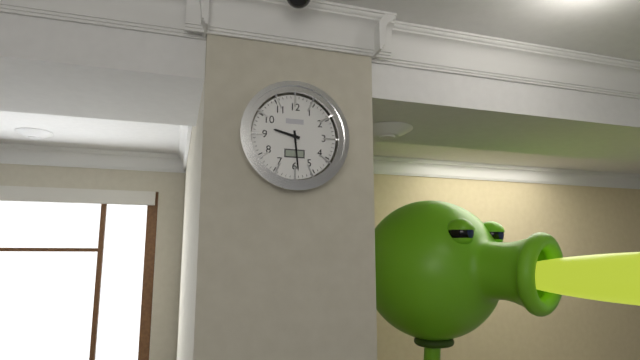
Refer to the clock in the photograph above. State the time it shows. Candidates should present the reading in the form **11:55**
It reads **9:29**
